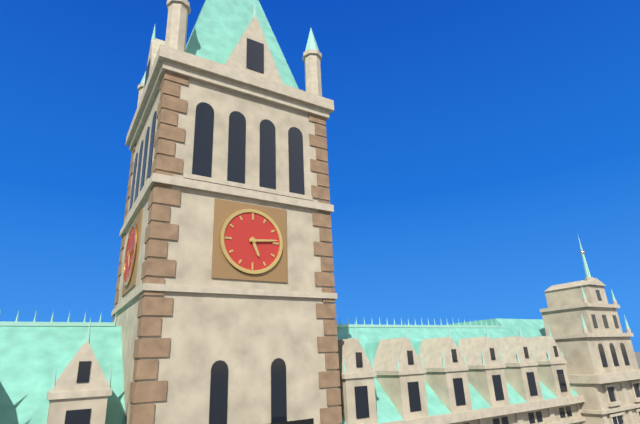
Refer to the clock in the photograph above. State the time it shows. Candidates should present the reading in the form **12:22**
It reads **5:14**
